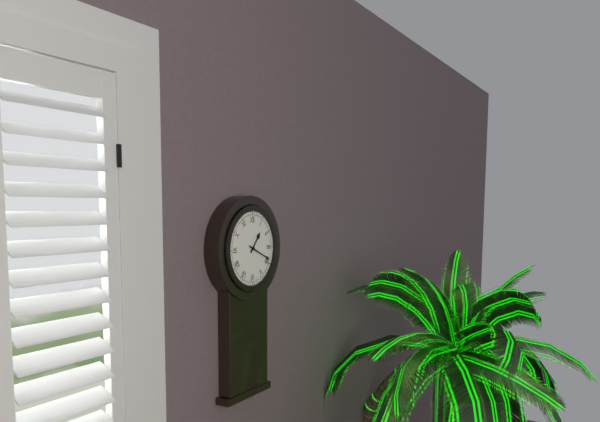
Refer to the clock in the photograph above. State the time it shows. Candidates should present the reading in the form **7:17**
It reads **1:19**
